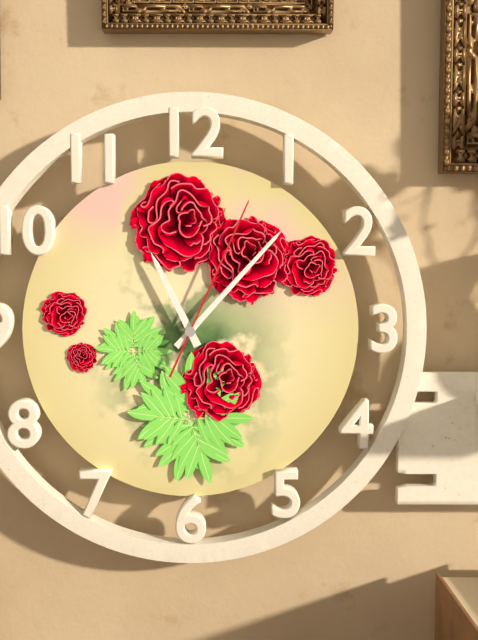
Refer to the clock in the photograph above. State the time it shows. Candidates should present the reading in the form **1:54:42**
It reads **11:07:04**
